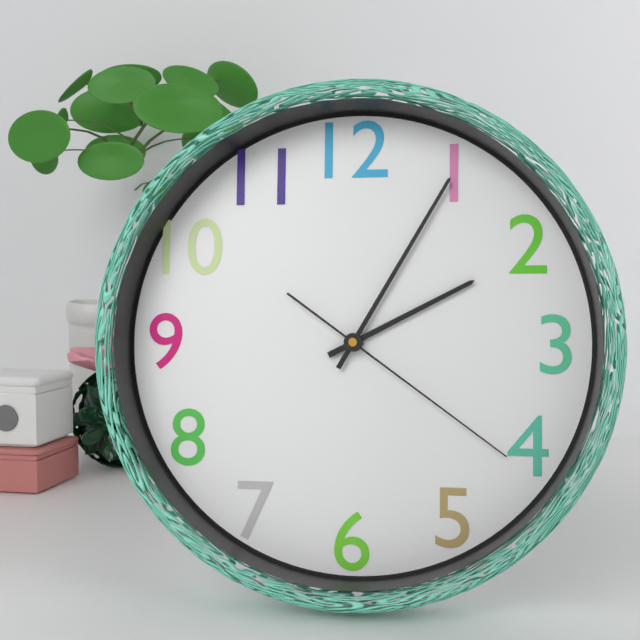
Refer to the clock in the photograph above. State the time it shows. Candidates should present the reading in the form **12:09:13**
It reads **2:05:21**
